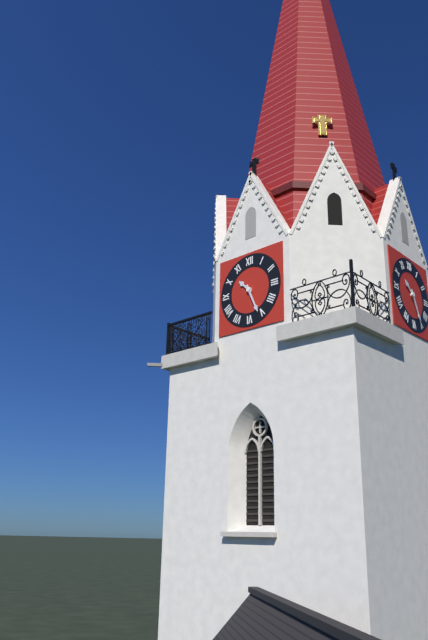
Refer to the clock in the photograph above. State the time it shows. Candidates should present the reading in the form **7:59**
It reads **10:26**
